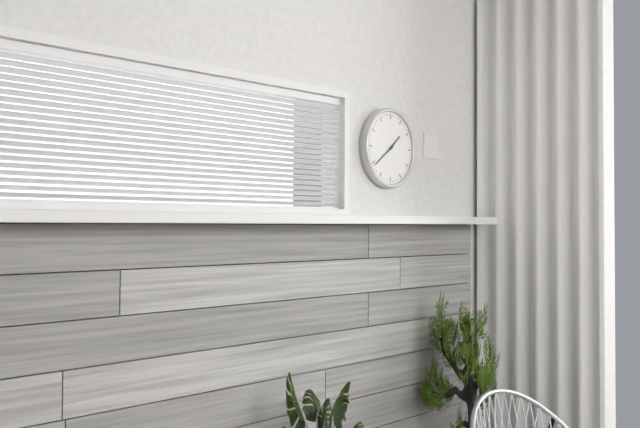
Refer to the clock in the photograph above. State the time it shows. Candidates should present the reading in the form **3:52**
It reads **1:39**
